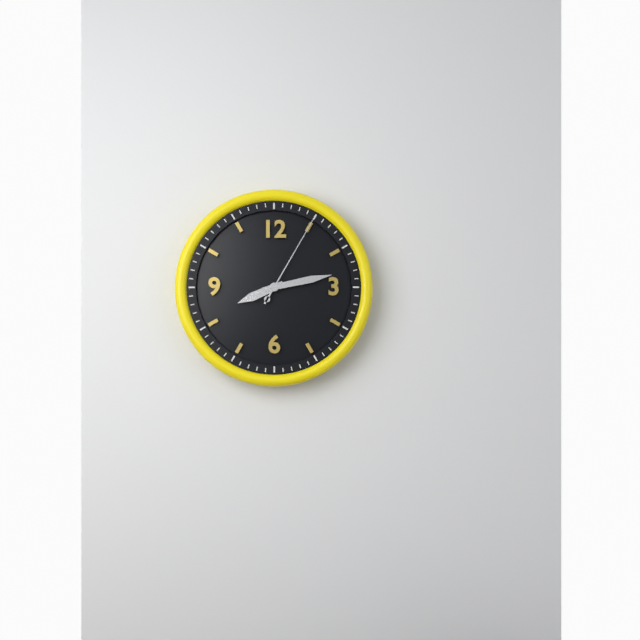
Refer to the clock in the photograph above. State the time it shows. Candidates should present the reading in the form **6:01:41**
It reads **8:13:05**
